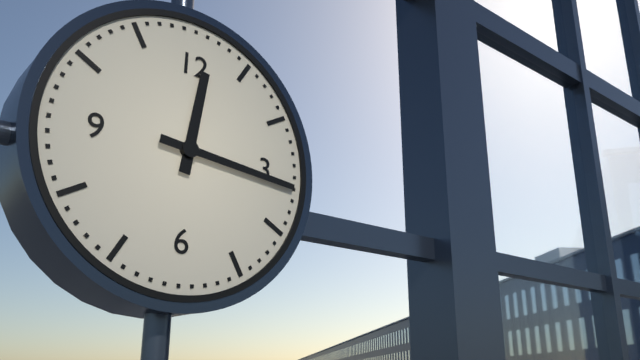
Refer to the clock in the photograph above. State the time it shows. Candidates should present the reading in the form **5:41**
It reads **12:16**
